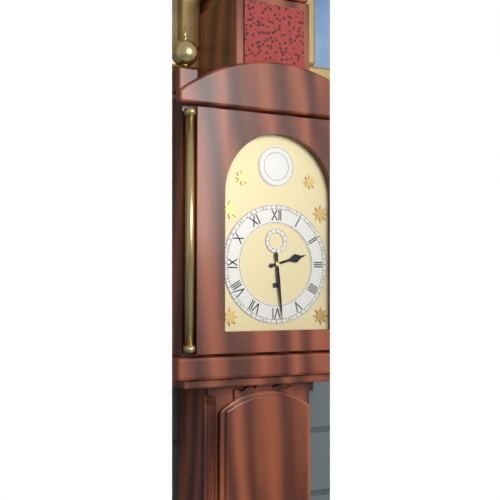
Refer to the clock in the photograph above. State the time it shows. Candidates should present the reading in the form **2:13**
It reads **2:29**
